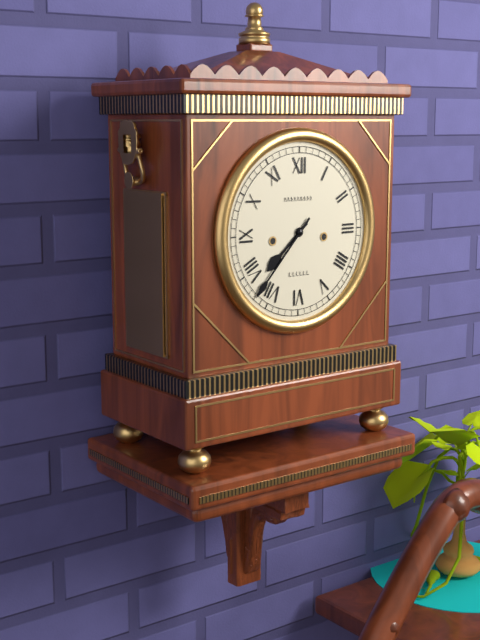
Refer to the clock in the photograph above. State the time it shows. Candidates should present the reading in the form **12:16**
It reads **7:37**
